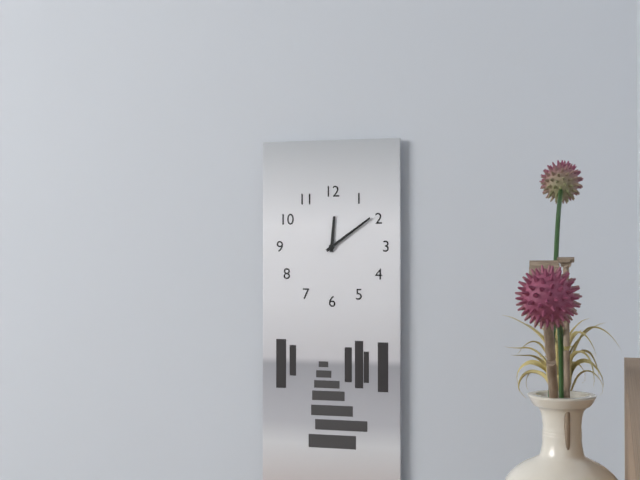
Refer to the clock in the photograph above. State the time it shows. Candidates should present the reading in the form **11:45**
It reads **12:09**
